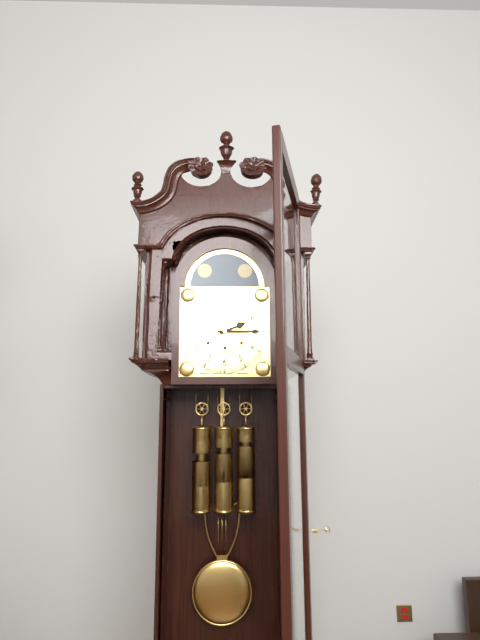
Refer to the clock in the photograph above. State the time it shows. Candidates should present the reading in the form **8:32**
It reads **2:15**
